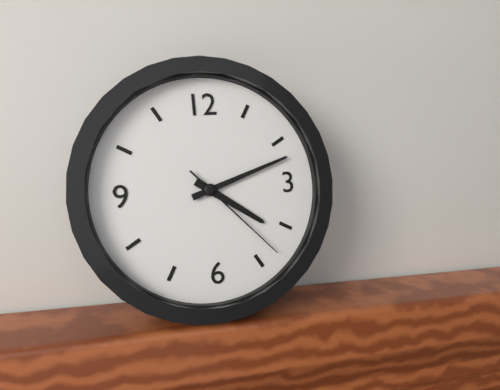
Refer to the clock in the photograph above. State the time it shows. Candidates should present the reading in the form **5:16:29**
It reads **4:12:23**
